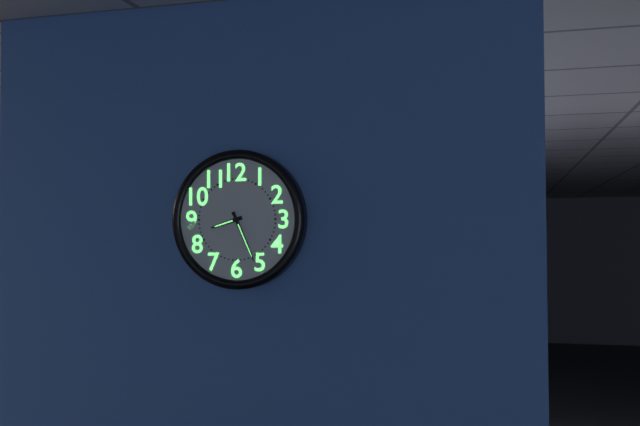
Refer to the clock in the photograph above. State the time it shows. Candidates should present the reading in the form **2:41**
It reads **8:26**
